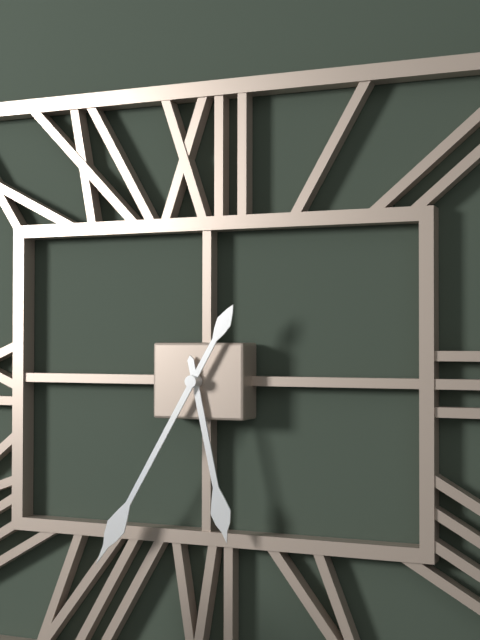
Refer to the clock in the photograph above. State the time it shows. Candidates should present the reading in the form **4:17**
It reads **5:35**
